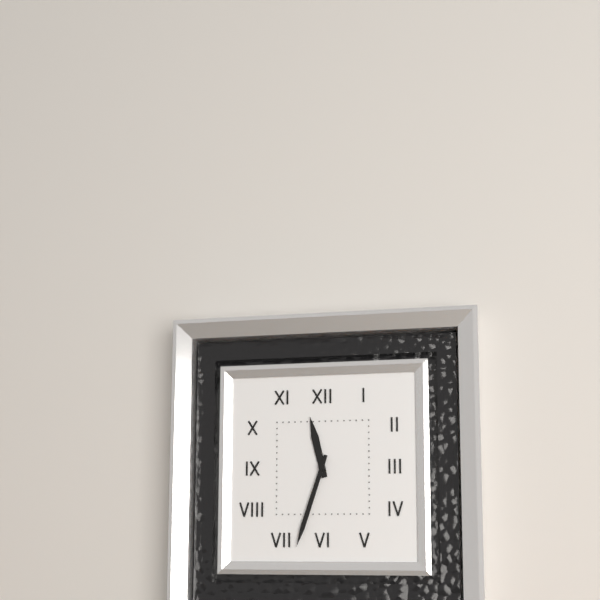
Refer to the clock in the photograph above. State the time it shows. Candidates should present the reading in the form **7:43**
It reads **11:33**
